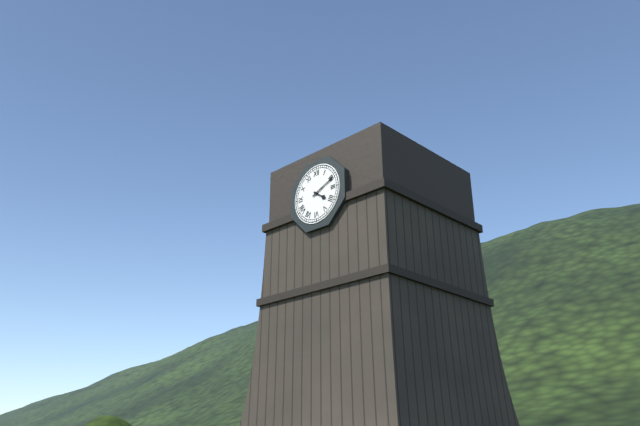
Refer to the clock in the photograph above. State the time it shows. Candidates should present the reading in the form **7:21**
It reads **4:11**
